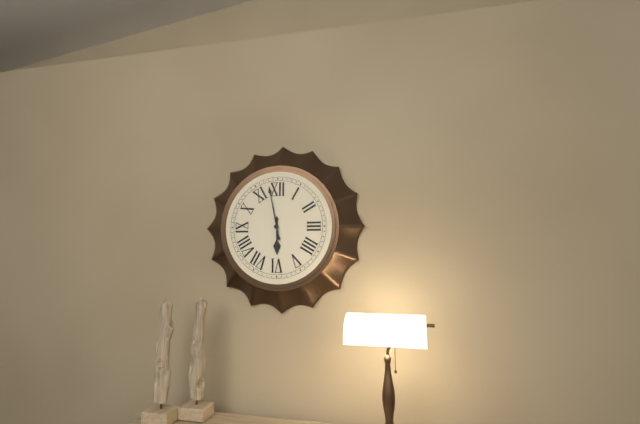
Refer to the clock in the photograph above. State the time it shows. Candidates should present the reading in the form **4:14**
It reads **5:58**
